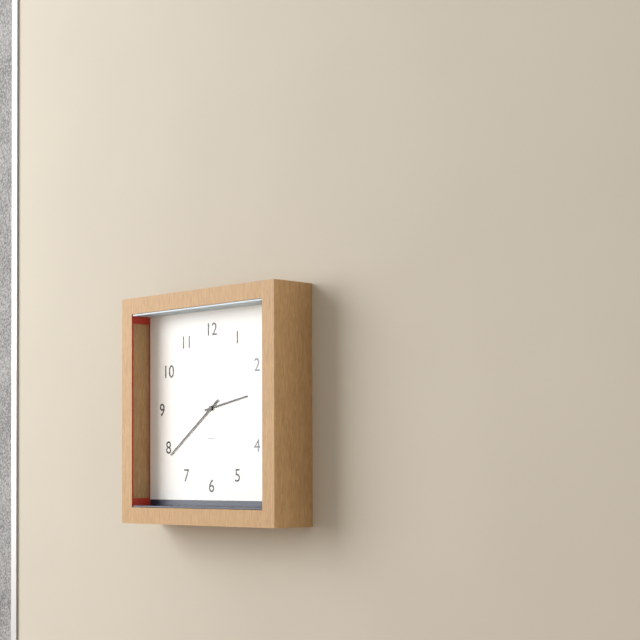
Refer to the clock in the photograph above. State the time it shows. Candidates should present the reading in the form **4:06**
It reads **2:39**
